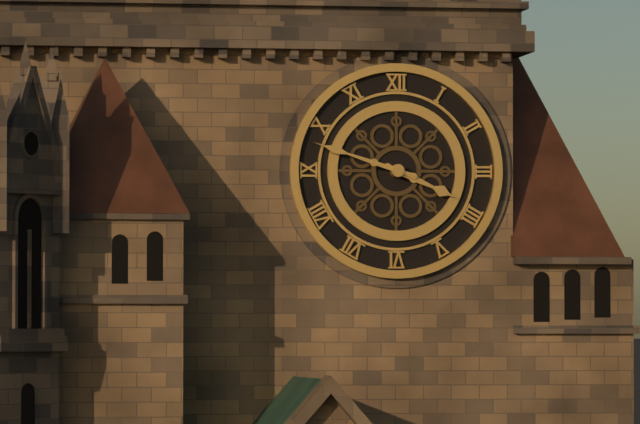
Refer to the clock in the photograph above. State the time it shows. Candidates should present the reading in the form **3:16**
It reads **3:48**
